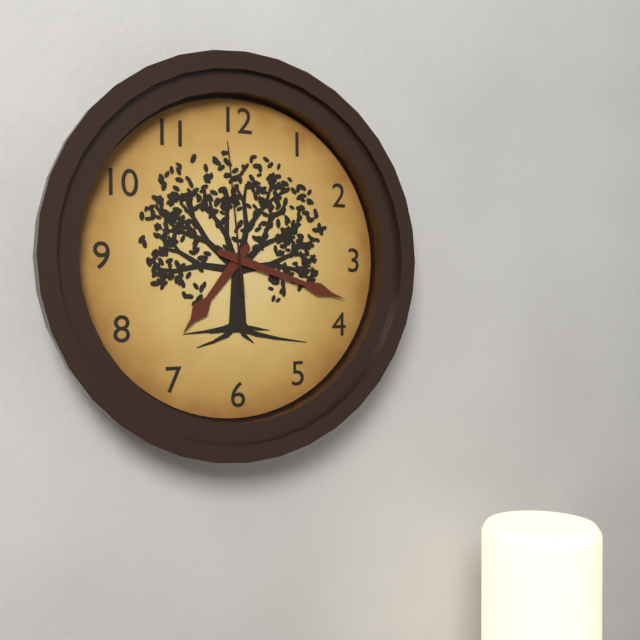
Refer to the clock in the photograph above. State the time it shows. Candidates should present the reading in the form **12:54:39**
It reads **7:18:59**
